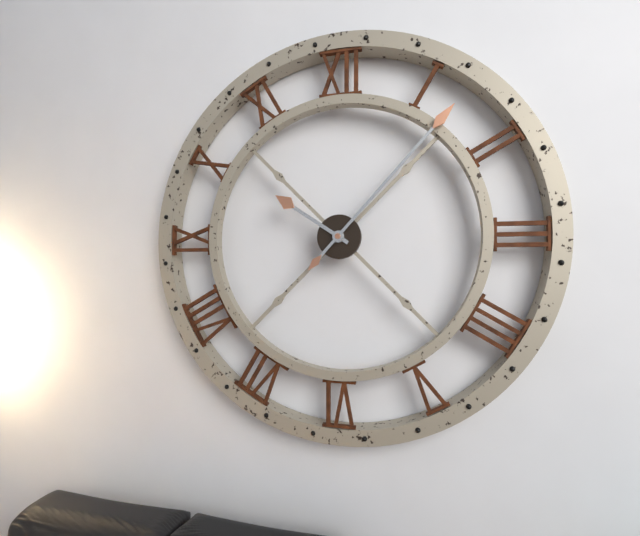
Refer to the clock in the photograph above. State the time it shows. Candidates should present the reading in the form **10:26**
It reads **10:07**
